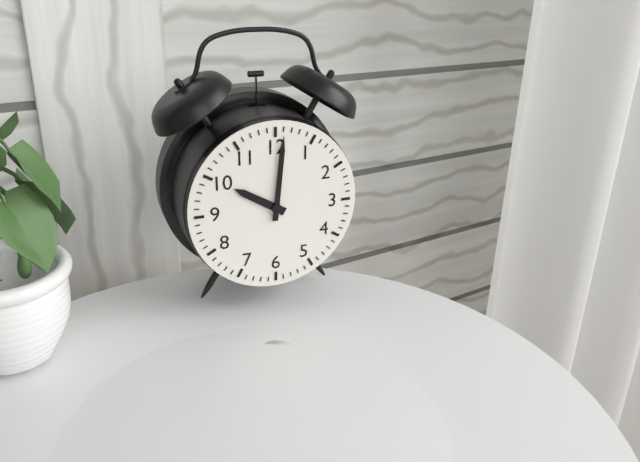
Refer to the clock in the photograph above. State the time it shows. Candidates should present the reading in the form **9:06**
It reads **10:01**
